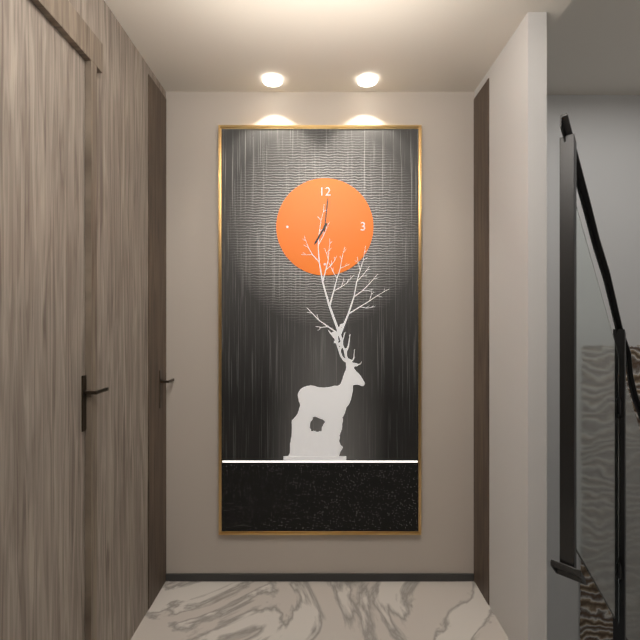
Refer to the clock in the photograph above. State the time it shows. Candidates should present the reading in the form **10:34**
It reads **7:01**
